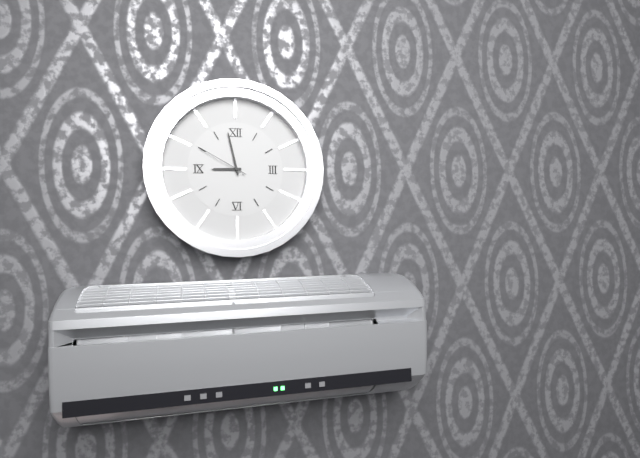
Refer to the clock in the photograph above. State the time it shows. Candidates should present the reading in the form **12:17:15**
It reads **8:58:50**
